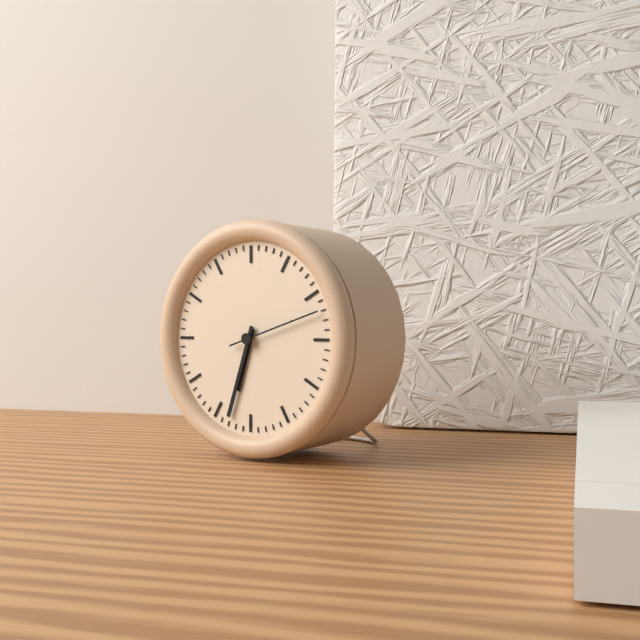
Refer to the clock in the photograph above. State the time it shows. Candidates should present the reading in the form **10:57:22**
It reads **6:33:12**
